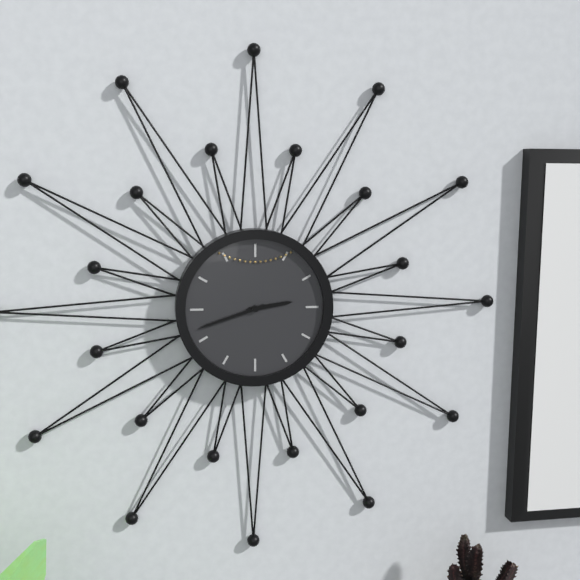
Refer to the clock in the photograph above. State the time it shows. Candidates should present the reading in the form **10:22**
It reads **2:42**
